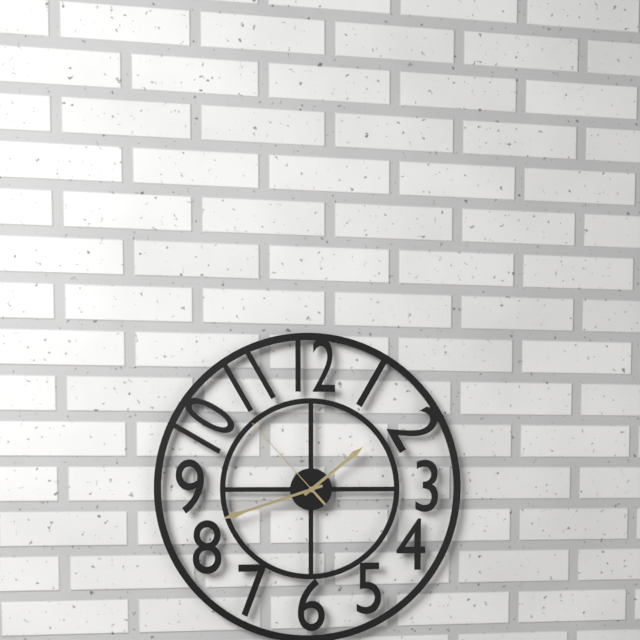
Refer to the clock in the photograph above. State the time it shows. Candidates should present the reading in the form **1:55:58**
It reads **1:42:53**
